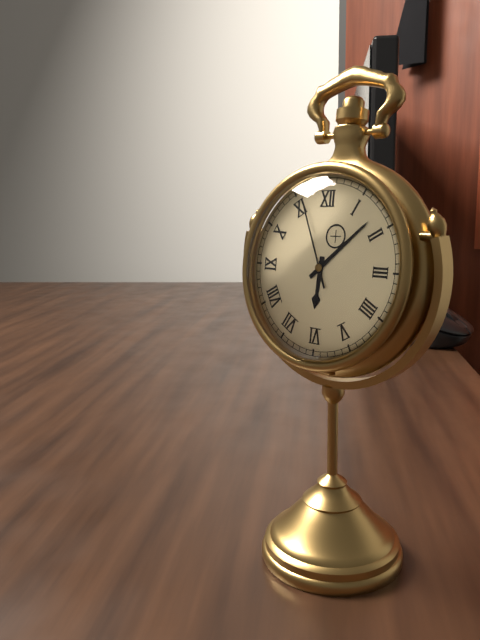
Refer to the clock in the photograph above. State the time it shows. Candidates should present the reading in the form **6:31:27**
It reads **6:08:56**
